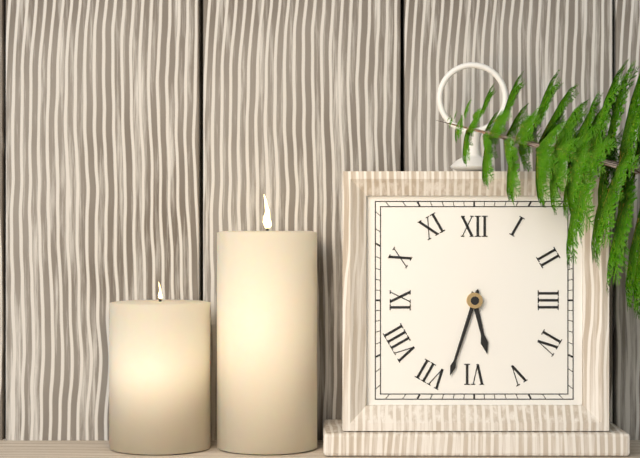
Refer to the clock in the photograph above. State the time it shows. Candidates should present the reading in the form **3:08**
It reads **5:33**
